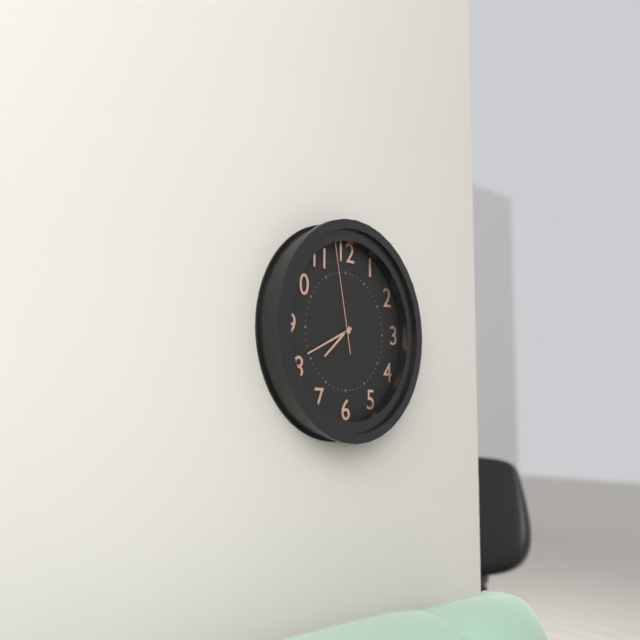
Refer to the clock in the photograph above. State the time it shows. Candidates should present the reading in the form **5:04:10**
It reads **7:41:58**
